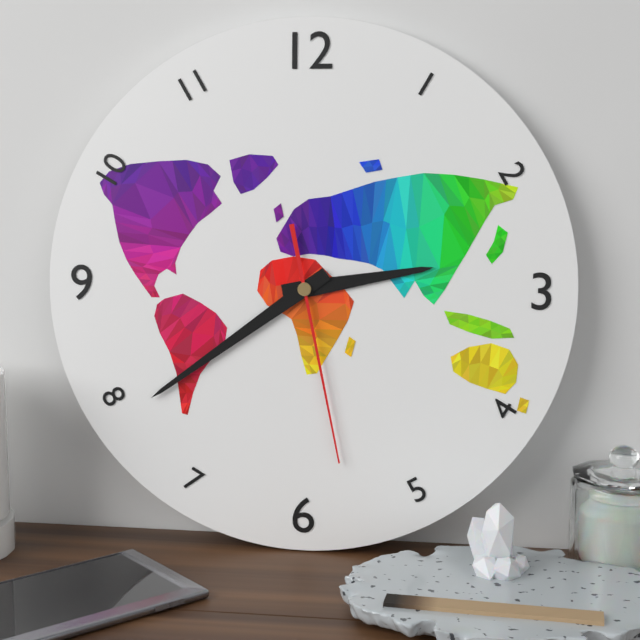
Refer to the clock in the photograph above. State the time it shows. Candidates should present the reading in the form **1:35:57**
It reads **2:39:28**
